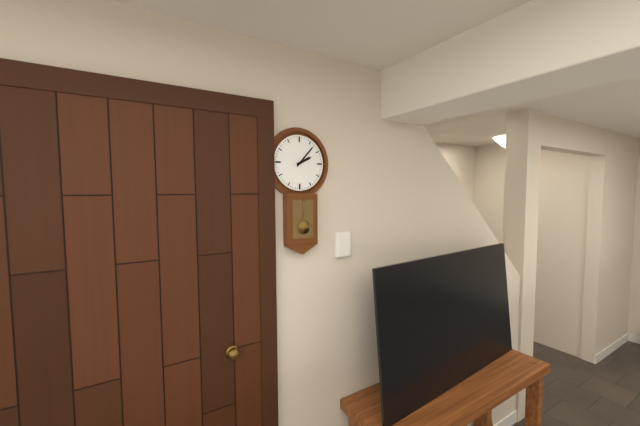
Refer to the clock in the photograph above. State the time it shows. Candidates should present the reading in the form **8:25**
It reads **2:07**
